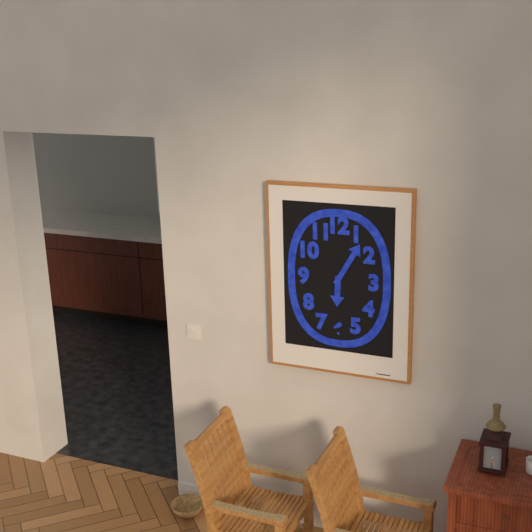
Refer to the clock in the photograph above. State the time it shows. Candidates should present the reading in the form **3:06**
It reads **6:05**
